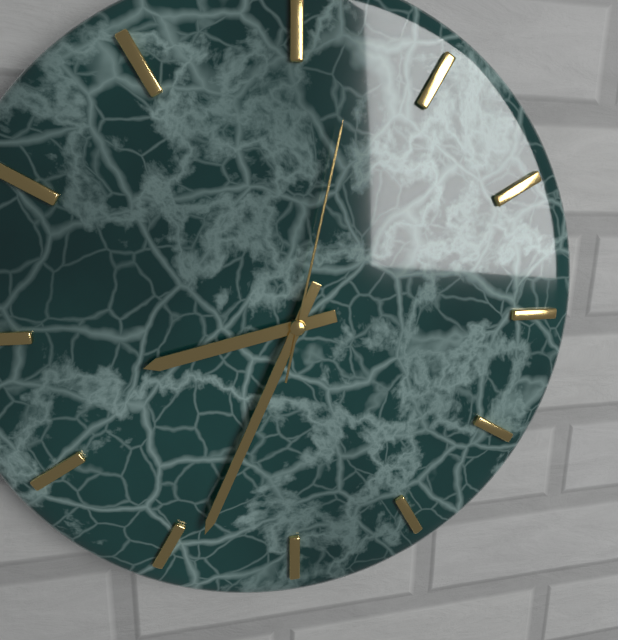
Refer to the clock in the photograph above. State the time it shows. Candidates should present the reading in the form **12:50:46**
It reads **8:34:02**
